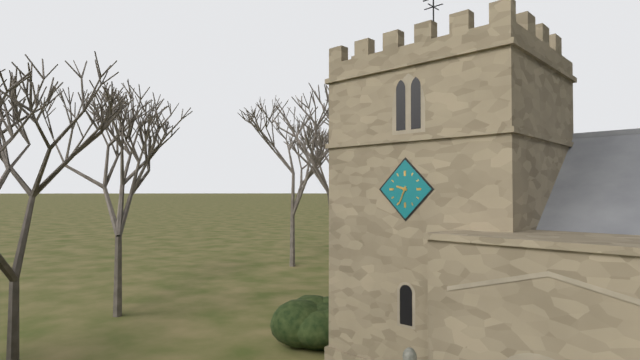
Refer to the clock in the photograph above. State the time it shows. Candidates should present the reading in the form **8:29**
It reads **9:34**
